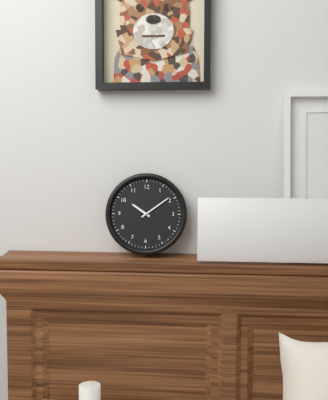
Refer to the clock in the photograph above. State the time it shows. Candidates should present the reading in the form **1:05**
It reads **10:09**
